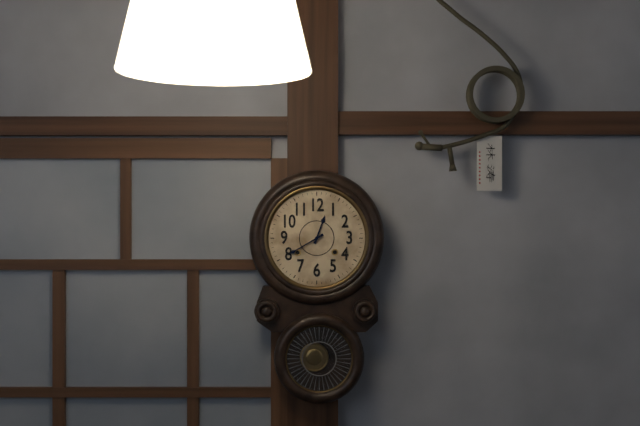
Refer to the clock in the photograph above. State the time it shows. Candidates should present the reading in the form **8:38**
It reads **12:40**
